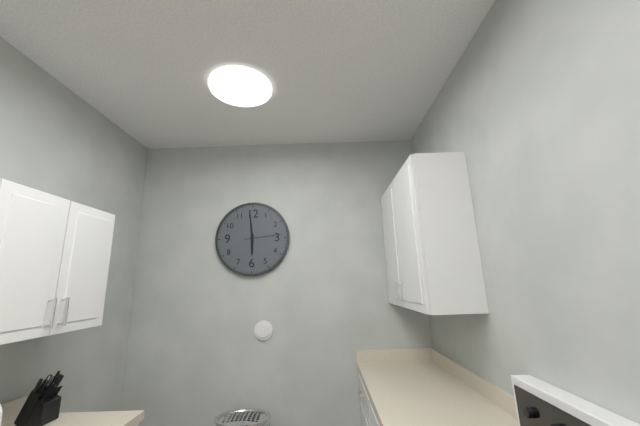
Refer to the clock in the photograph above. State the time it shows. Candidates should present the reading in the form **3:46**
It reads **5:59**
